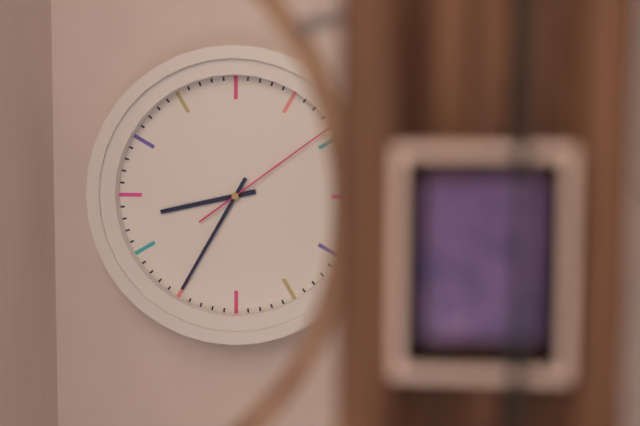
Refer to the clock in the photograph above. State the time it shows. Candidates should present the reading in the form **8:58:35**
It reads **8:35:09**
